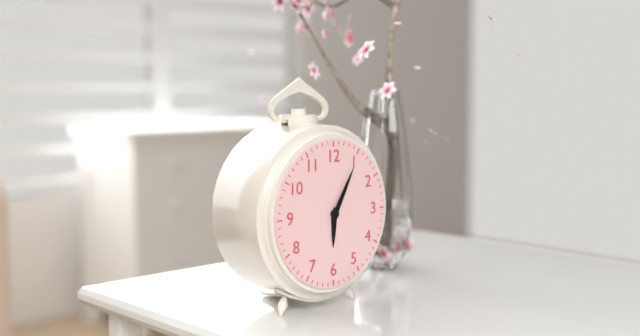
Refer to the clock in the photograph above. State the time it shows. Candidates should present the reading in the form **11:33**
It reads **6:05**
